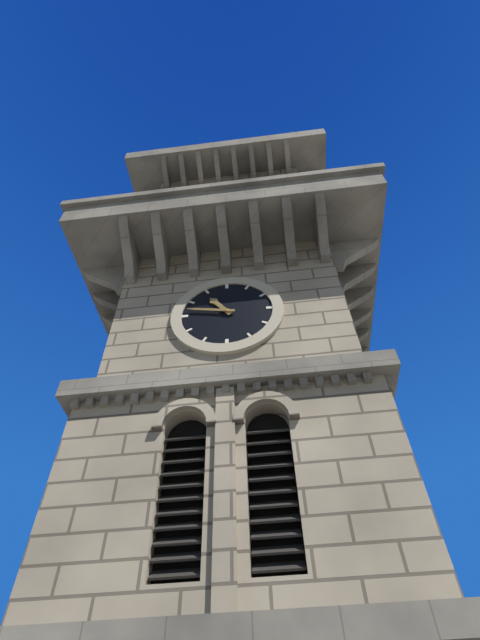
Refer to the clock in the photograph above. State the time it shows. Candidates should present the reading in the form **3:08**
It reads **10:47**
